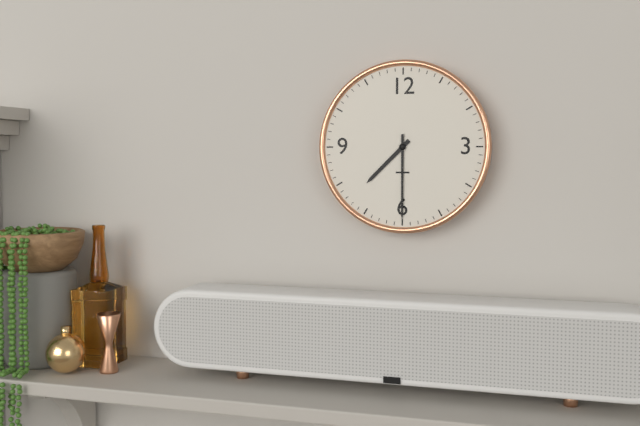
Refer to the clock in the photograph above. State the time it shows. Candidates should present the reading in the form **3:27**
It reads **7:30**
